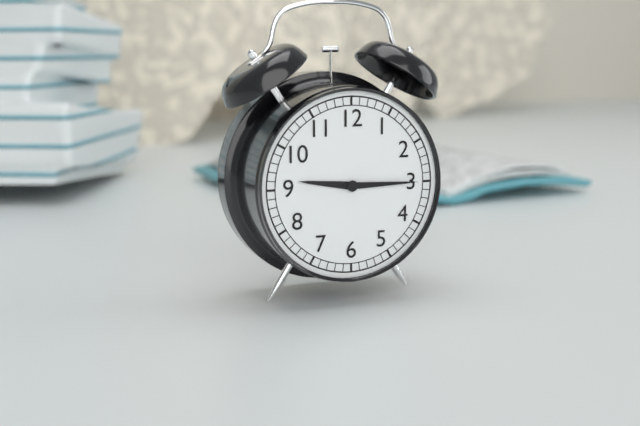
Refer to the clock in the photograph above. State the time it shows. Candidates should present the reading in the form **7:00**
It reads **9:15**
